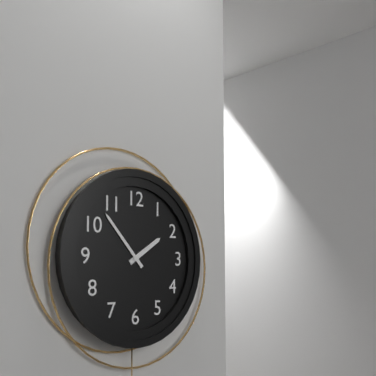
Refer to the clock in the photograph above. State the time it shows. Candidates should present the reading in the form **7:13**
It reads **1:53**
